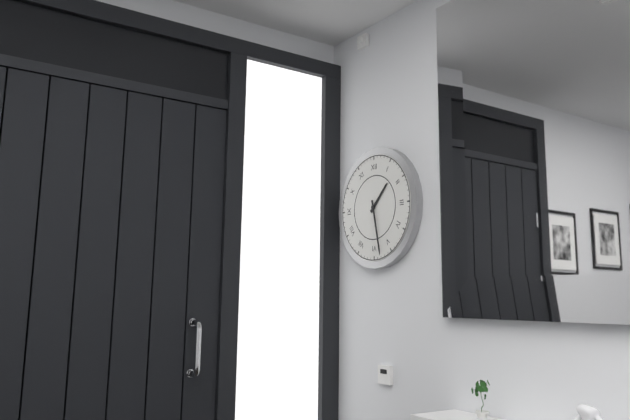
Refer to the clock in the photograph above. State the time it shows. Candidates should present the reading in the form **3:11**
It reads **1:28**
